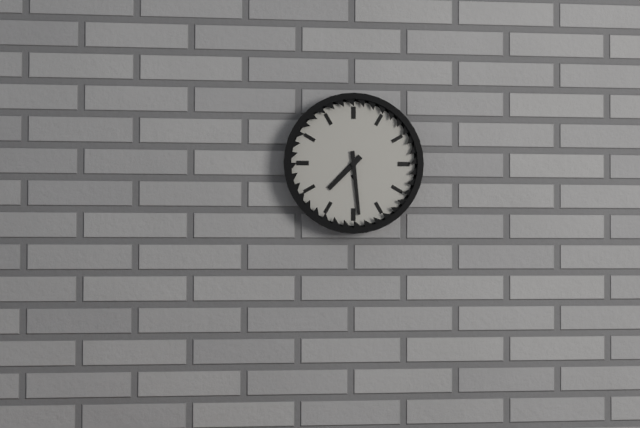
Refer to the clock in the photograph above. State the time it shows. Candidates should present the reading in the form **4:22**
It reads **7:29**
